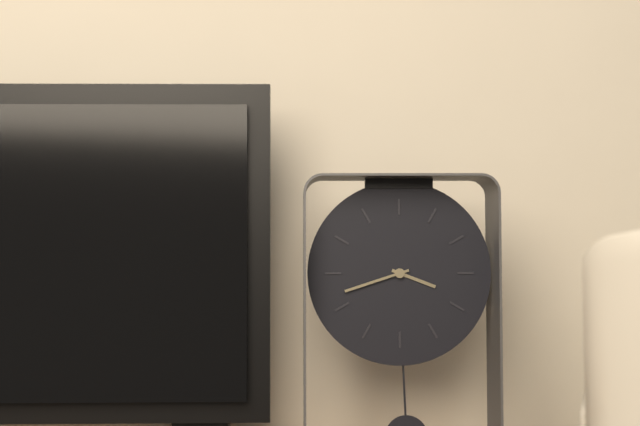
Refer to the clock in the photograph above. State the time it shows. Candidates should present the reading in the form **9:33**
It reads **3:42**
